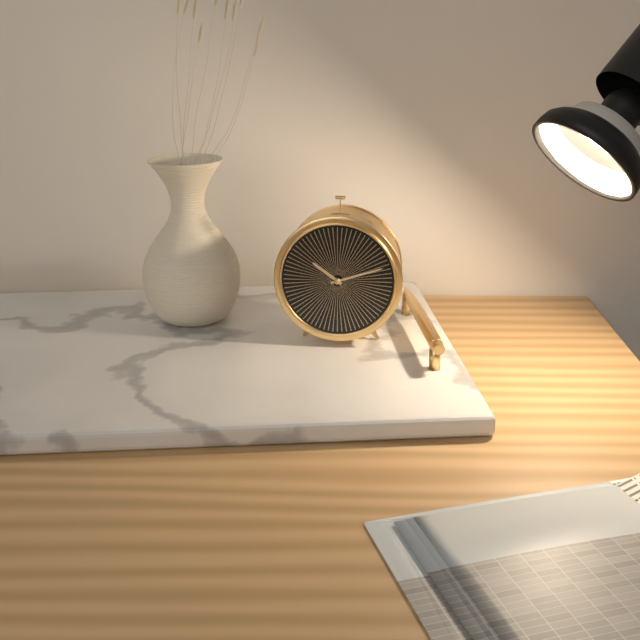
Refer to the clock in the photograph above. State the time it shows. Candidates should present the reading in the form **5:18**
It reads **10:12**
